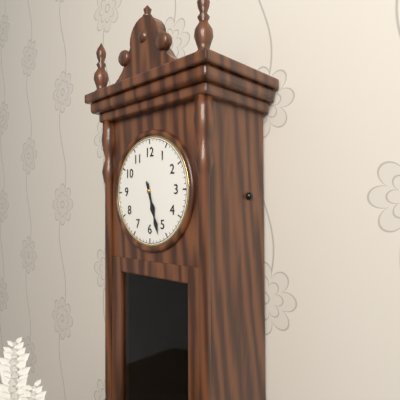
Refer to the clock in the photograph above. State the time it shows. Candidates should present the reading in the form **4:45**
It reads **5:27**
